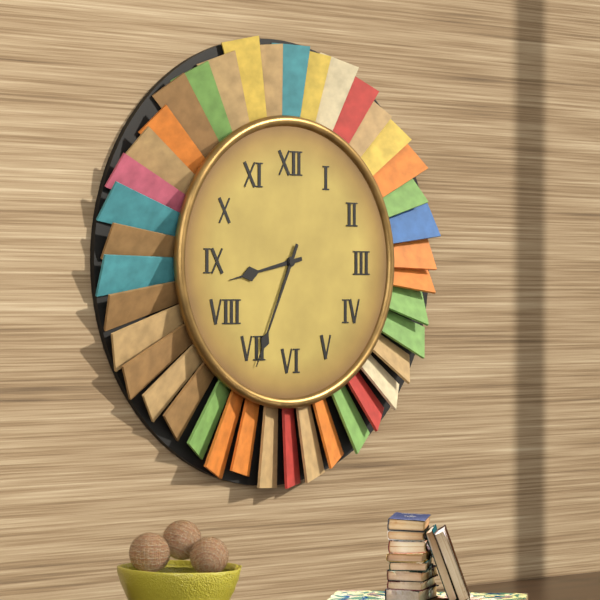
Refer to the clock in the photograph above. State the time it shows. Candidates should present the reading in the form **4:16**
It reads **8:34**
